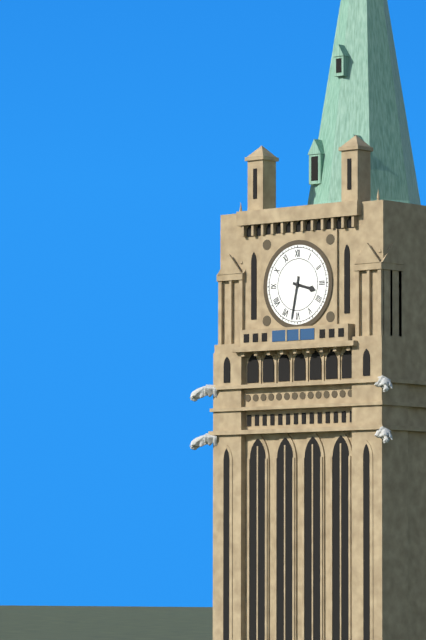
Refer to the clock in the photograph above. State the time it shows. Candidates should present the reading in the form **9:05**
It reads **3:32**
